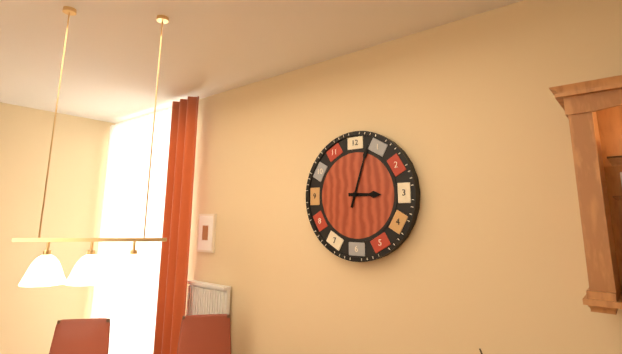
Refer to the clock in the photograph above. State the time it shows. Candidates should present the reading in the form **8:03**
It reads **3:03**
